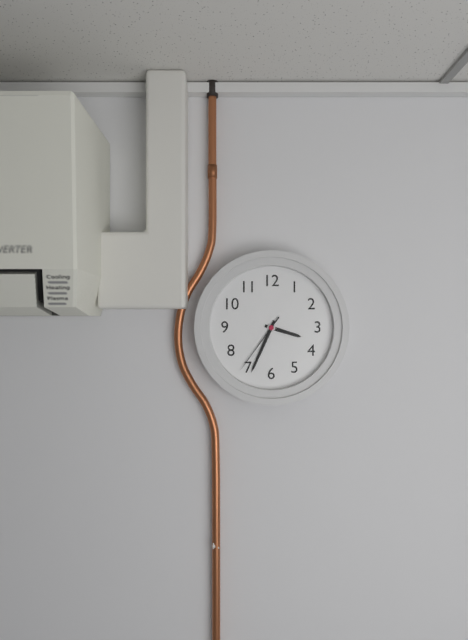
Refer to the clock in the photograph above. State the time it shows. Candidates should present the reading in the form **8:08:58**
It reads **3:34:36**
